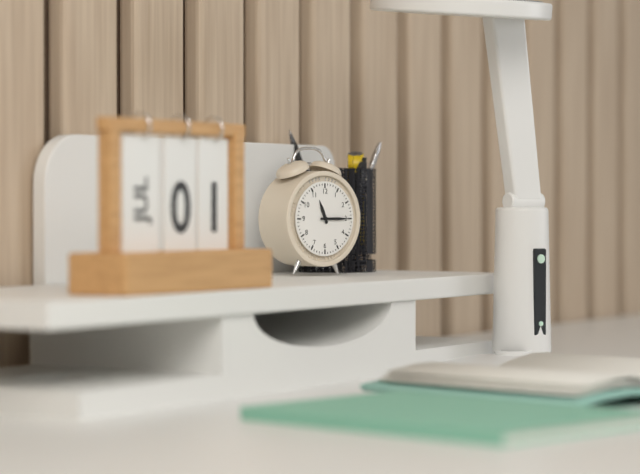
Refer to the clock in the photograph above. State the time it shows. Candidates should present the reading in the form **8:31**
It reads **11:15**
